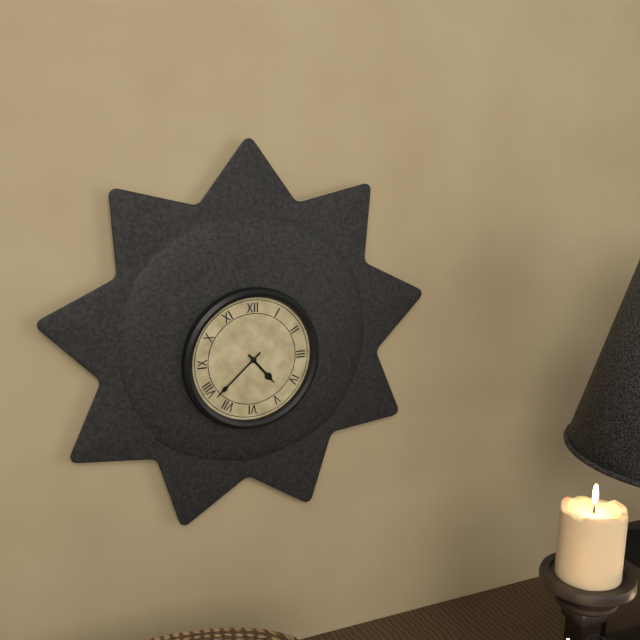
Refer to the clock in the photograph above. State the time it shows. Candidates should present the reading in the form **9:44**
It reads **4:38**
